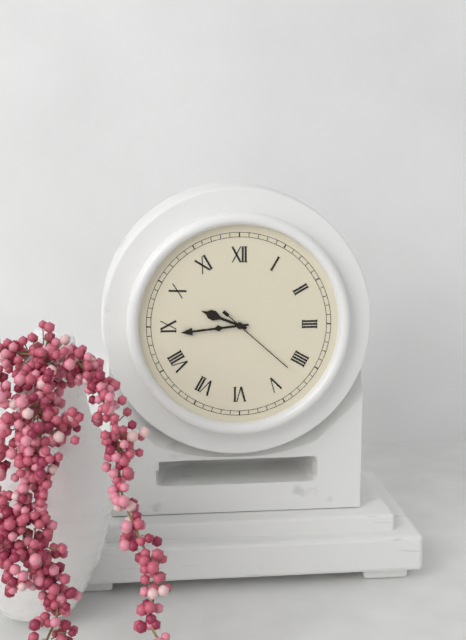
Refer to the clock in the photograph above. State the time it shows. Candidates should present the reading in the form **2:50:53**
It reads **9:44:22**
